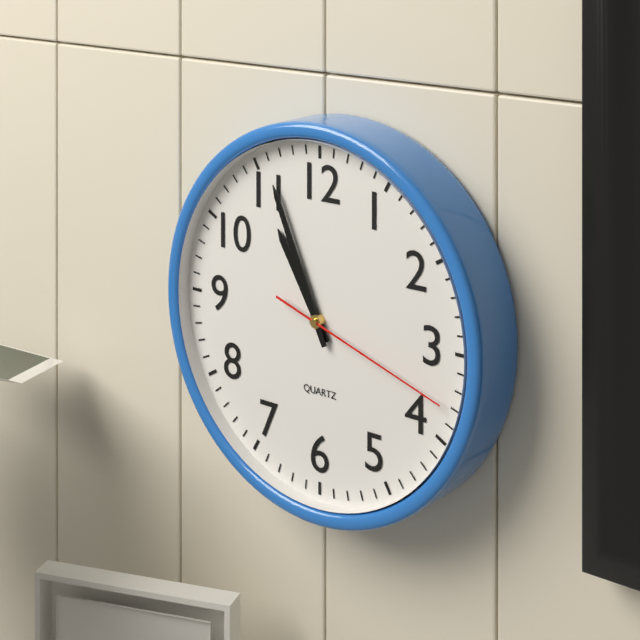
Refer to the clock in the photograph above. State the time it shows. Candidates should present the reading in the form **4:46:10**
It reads **10:56:18**
